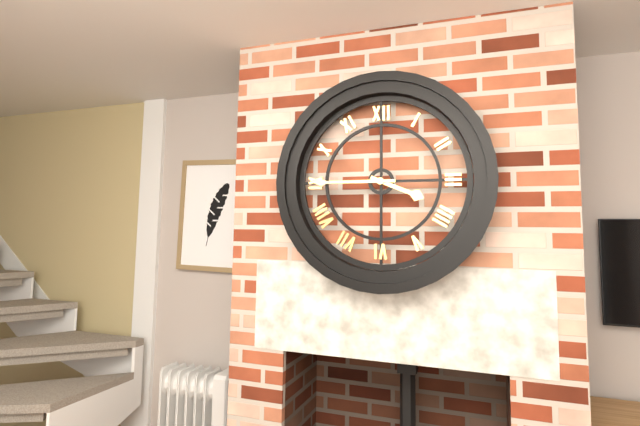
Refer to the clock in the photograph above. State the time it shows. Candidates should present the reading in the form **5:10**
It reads **3:45**
